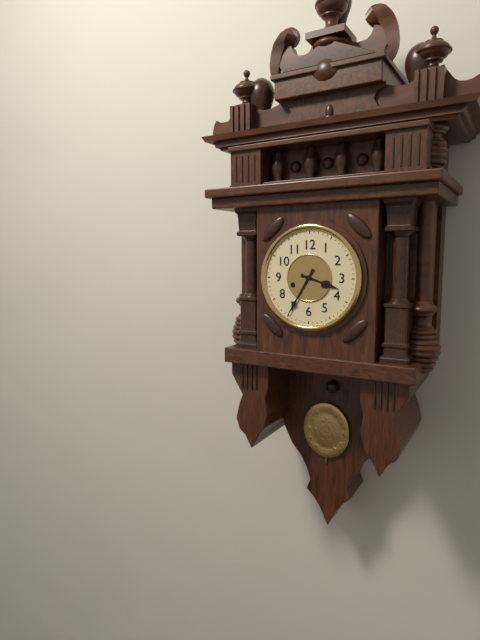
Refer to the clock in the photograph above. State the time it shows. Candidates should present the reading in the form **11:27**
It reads **3:35**
